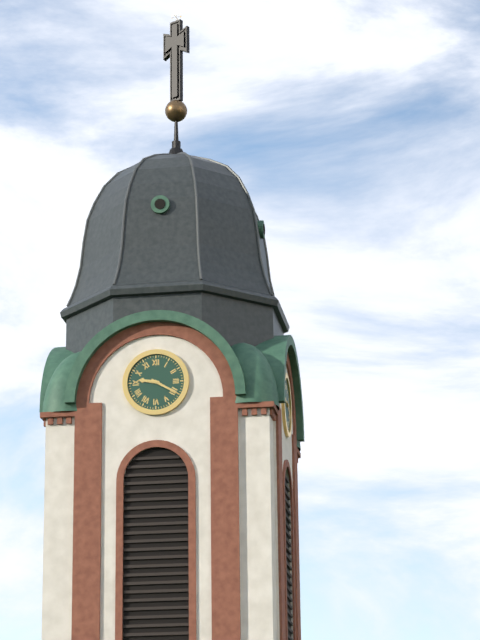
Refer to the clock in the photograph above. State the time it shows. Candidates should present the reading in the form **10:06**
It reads **9:20**
